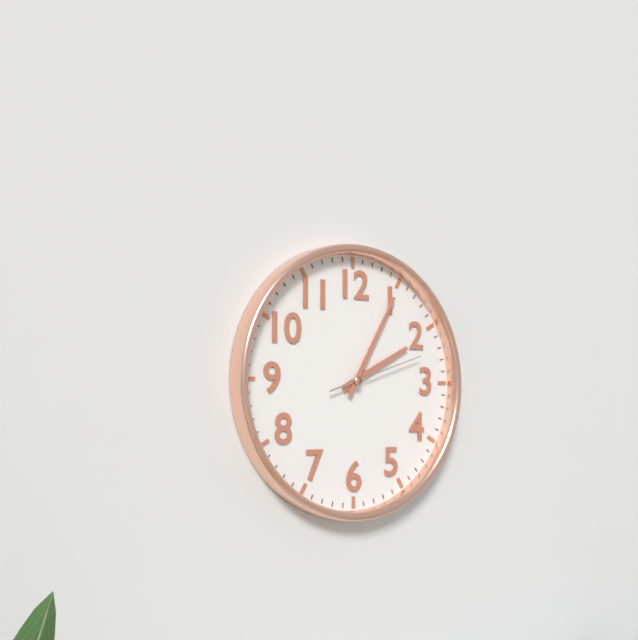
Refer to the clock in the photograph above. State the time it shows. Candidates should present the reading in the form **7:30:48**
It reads **2:05:12**
